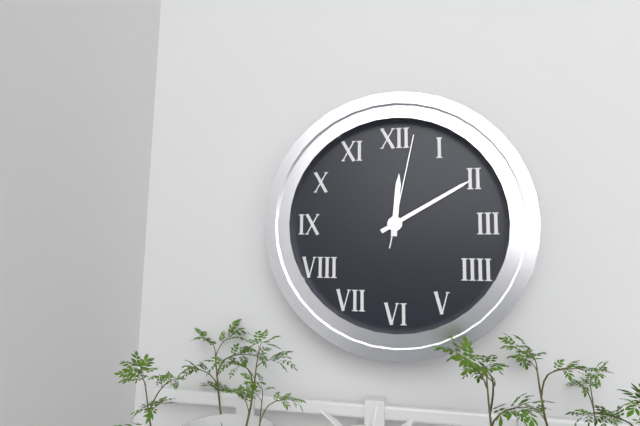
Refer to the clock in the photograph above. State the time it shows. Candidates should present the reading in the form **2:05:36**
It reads **12:10:02**
